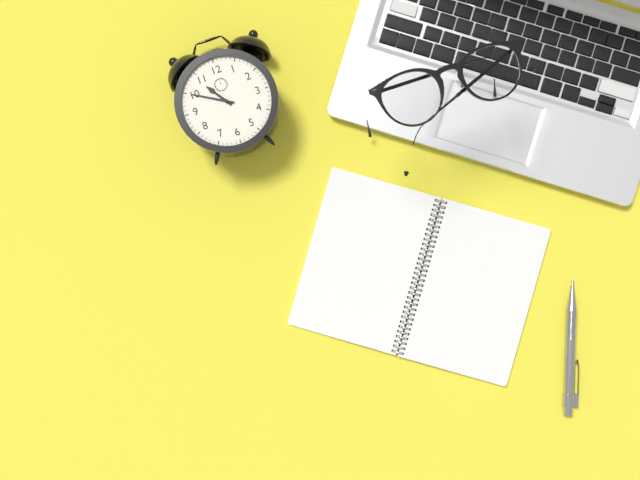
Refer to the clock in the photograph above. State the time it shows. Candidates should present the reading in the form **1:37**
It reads **10:50**
